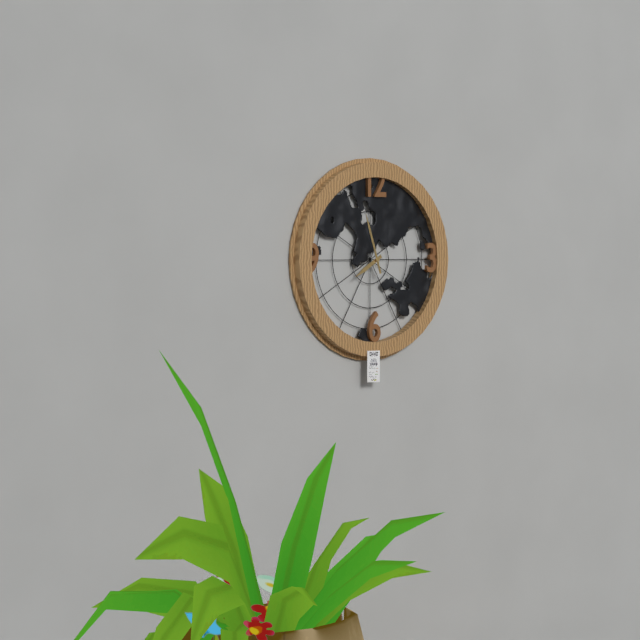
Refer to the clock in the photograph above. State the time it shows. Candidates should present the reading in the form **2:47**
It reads **7:57**
